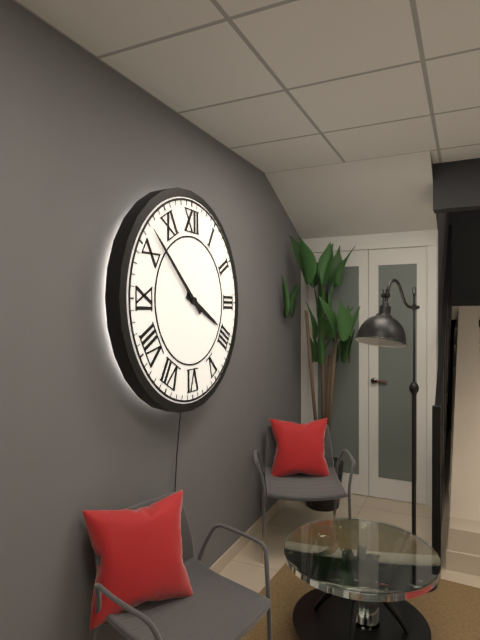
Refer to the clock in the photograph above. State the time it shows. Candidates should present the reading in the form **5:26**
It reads **3:52**
